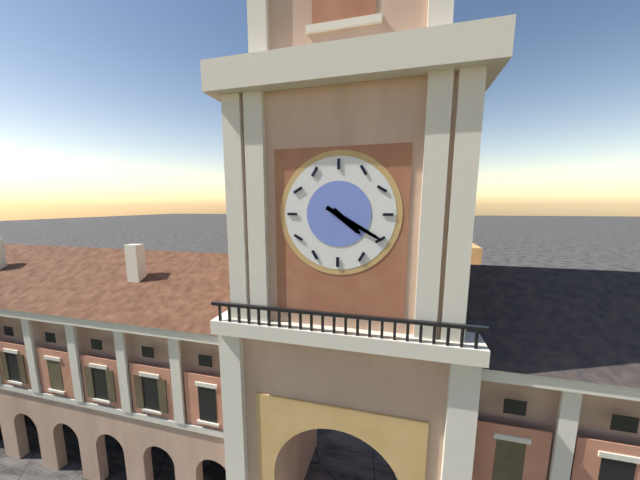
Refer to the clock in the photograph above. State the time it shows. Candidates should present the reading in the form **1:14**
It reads **4:20**
